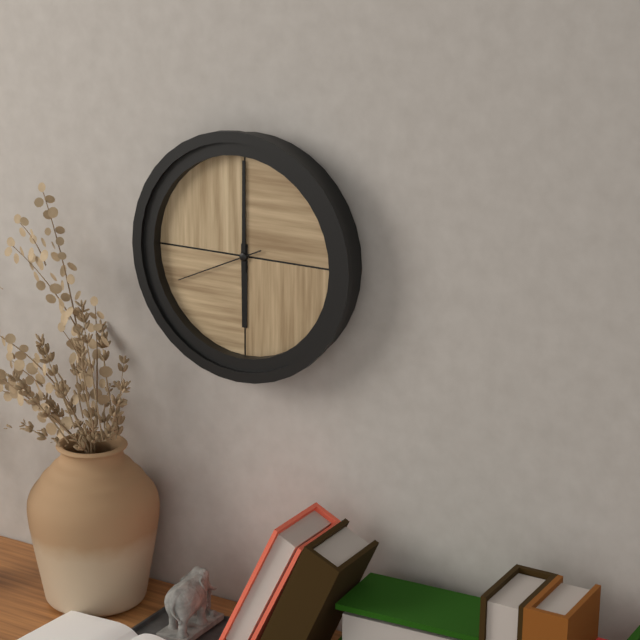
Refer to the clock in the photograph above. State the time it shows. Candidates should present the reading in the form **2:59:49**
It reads **6:00:41**
